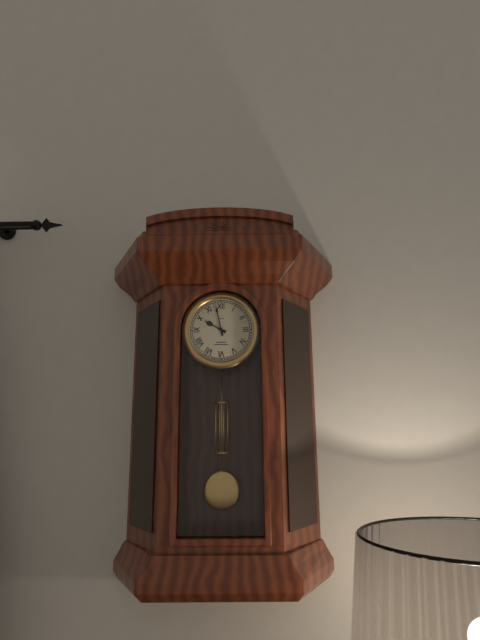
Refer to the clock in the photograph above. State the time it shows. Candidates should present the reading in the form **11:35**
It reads **9:58**
